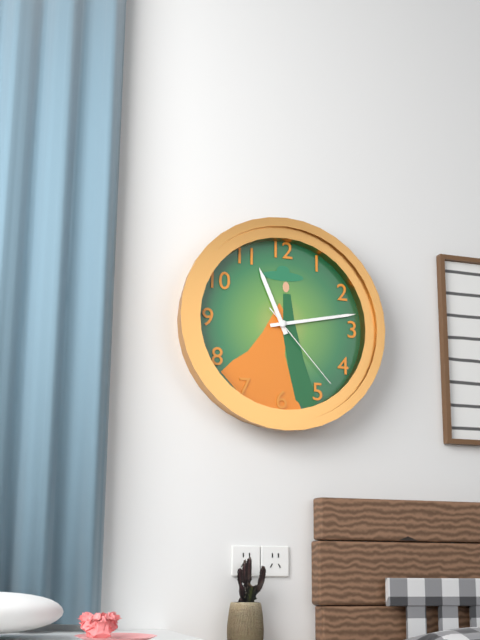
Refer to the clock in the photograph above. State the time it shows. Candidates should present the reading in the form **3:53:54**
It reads **11:13:23**
